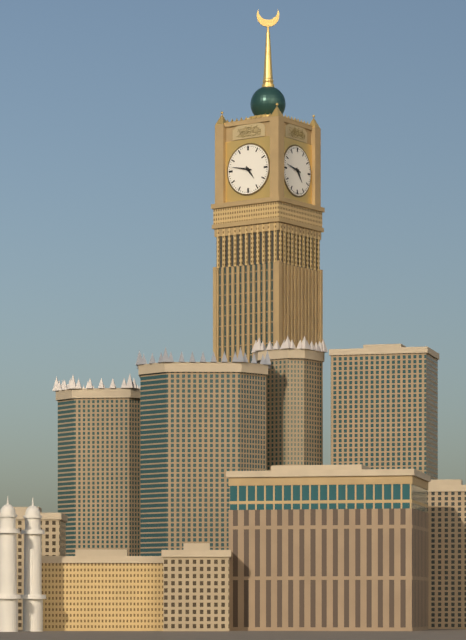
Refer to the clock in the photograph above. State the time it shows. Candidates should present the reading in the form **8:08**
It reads **4:47**
